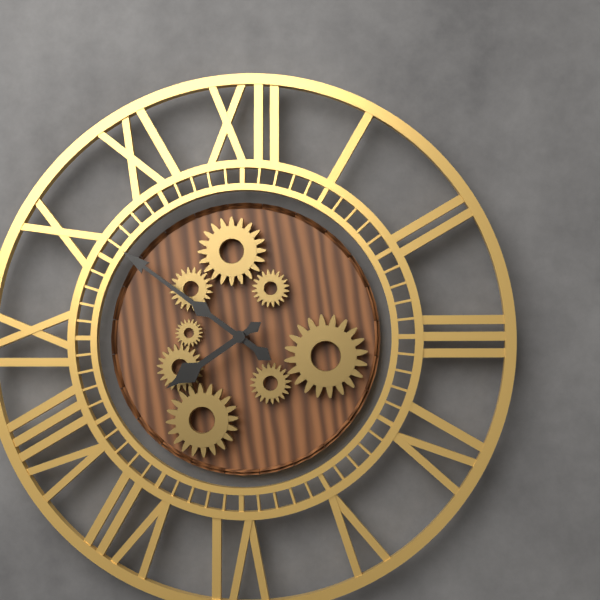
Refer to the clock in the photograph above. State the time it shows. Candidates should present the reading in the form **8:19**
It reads **7:51**
